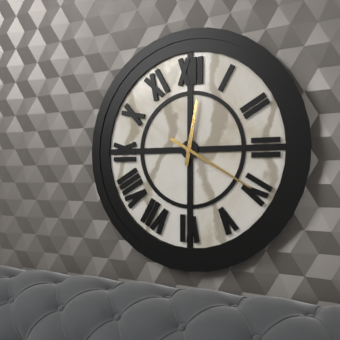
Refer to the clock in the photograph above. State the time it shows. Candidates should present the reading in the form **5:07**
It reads **12:20**
